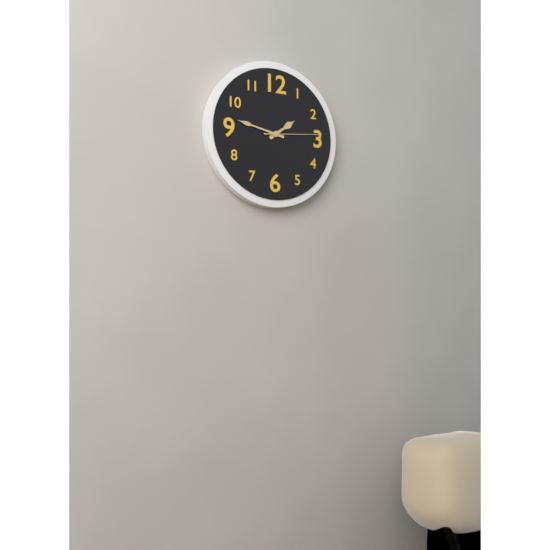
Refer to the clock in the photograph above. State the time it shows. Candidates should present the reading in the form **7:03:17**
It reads **1:47:14**
